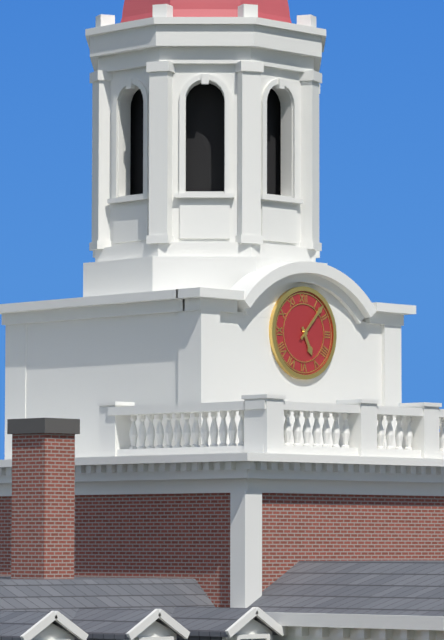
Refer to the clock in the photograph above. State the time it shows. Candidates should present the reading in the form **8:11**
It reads **5:07**
